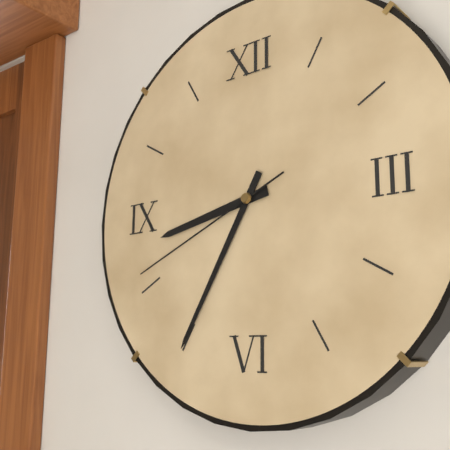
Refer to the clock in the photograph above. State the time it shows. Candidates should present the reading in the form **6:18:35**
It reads **8:35:41**
